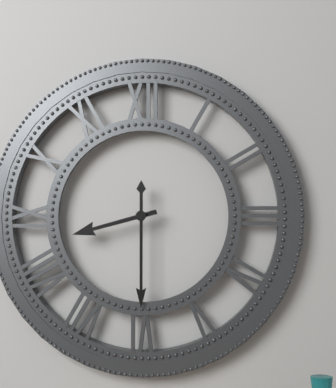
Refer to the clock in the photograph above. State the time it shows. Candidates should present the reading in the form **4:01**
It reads **8:30**
